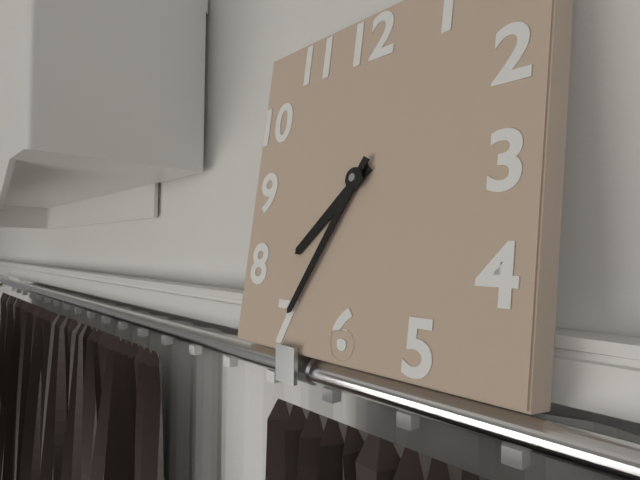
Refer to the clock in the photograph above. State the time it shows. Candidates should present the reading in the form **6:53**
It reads **7:35**
